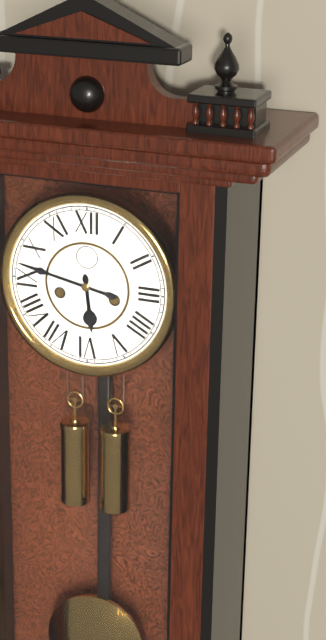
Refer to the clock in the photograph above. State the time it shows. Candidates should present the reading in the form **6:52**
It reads **5:47**
